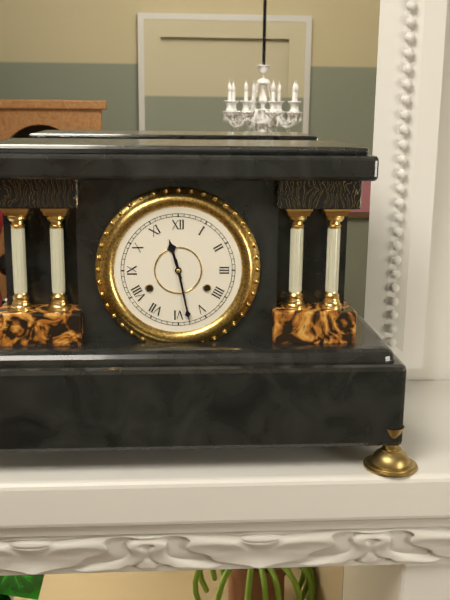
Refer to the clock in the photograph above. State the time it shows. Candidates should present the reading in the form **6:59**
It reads **11:28**
